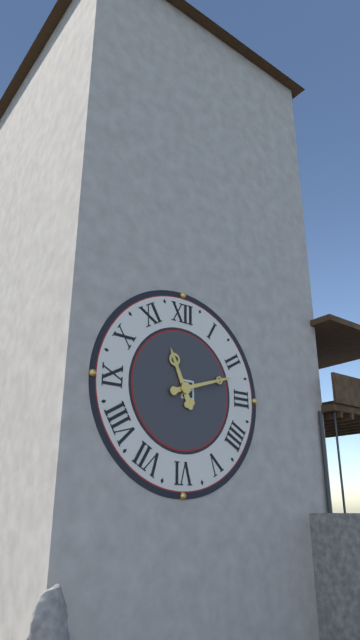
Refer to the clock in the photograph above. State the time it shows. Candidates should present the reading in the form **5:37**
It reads **11:12**
